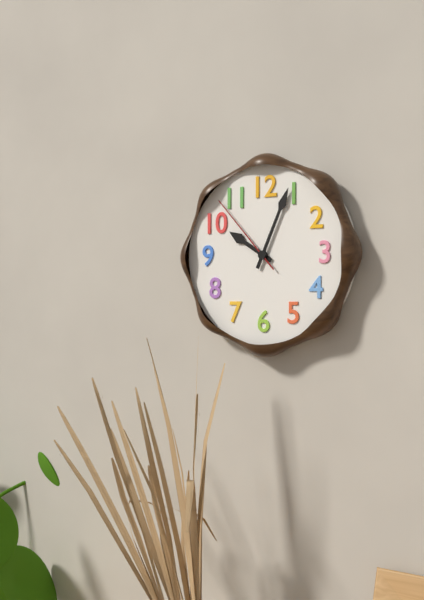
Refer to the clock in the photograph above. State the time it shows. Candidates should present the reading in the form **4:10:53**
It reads **10:04:53**
